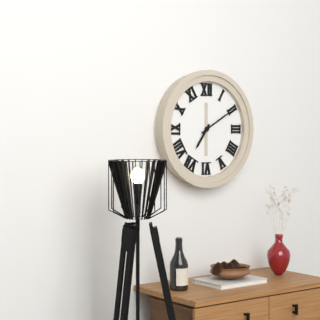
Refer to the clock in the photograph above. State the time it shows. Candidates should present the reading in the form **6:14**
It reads **7:10**
